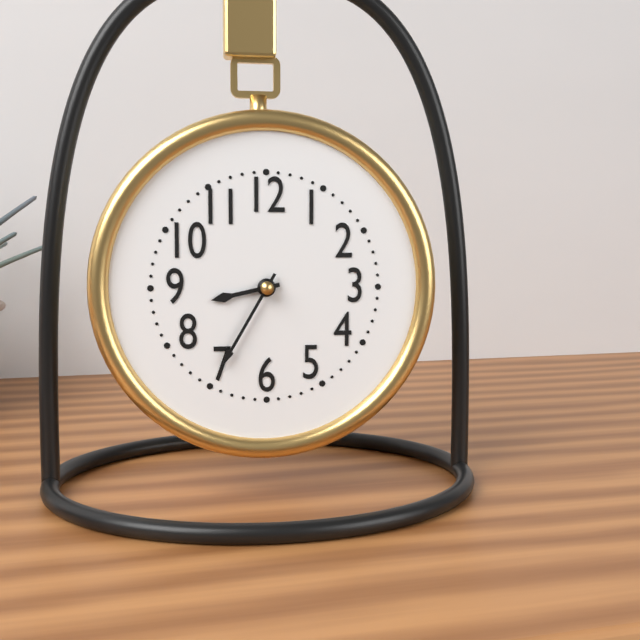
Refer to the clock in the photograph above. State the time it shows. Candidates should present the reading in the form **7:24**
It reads **8:35**
